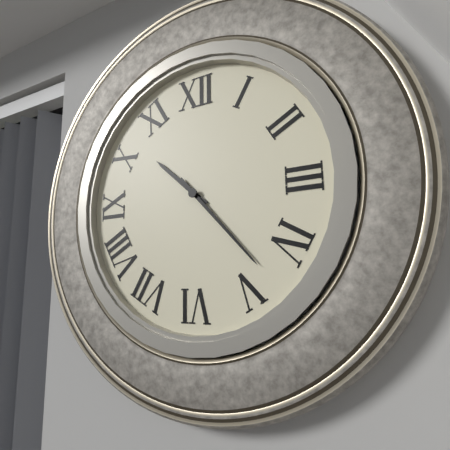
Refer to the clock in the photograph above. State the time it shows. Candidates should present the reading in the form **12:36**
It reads **10:23**
